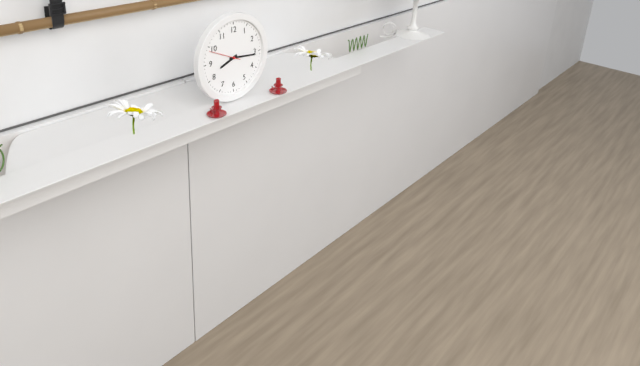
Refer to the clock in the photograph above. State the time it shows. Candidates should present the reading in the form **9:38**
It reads **8:16**
